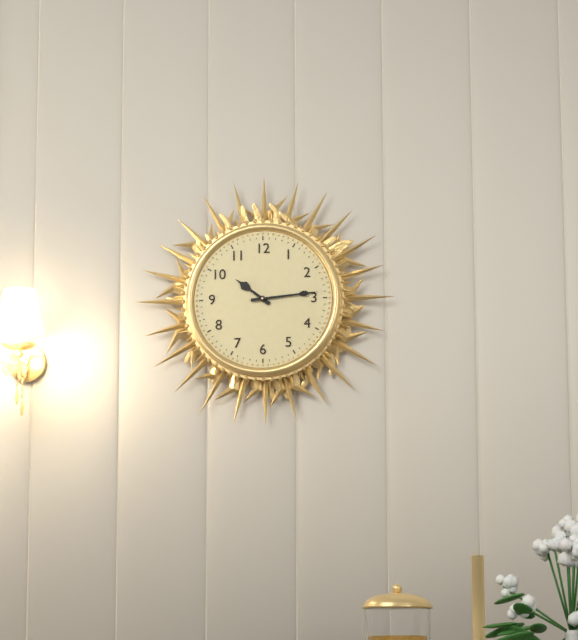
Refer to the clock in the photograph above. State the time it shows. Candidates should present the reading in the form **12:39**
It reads **10:14**
